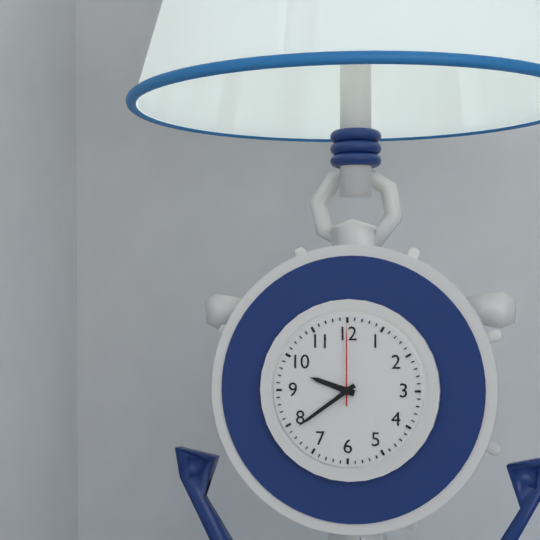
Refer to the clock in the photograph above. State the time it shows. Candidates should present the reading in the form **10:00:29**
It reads **9:39:00**
